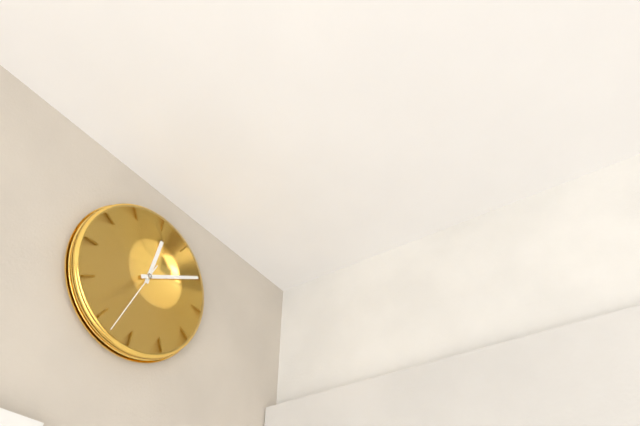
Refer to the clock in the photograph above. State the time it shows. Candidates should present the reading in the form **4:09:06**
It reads **12:10:33**
